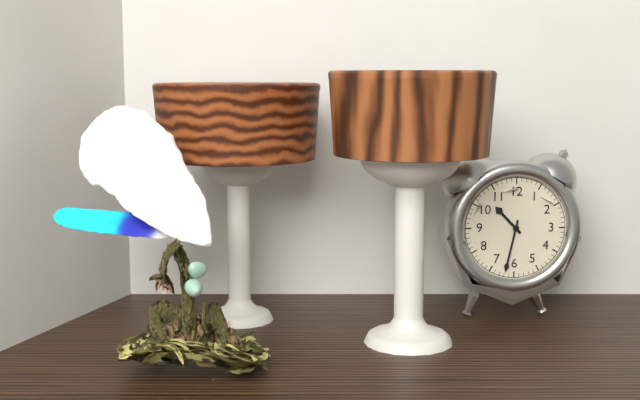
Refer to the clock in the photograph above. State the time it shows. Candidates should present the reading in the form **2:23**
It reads **10:32**
